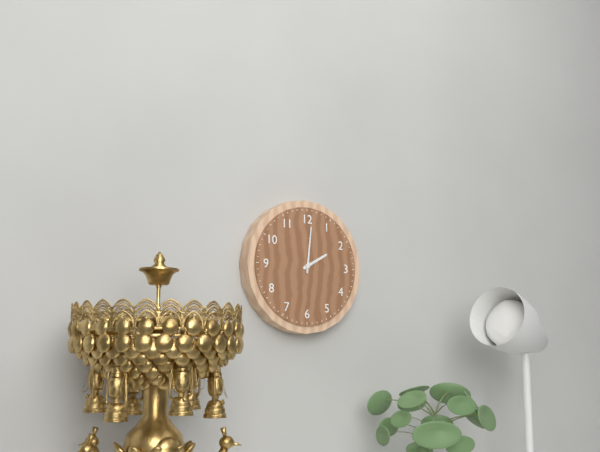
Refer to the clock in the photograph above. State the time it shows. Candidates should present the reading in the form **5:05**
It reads **2:01**
